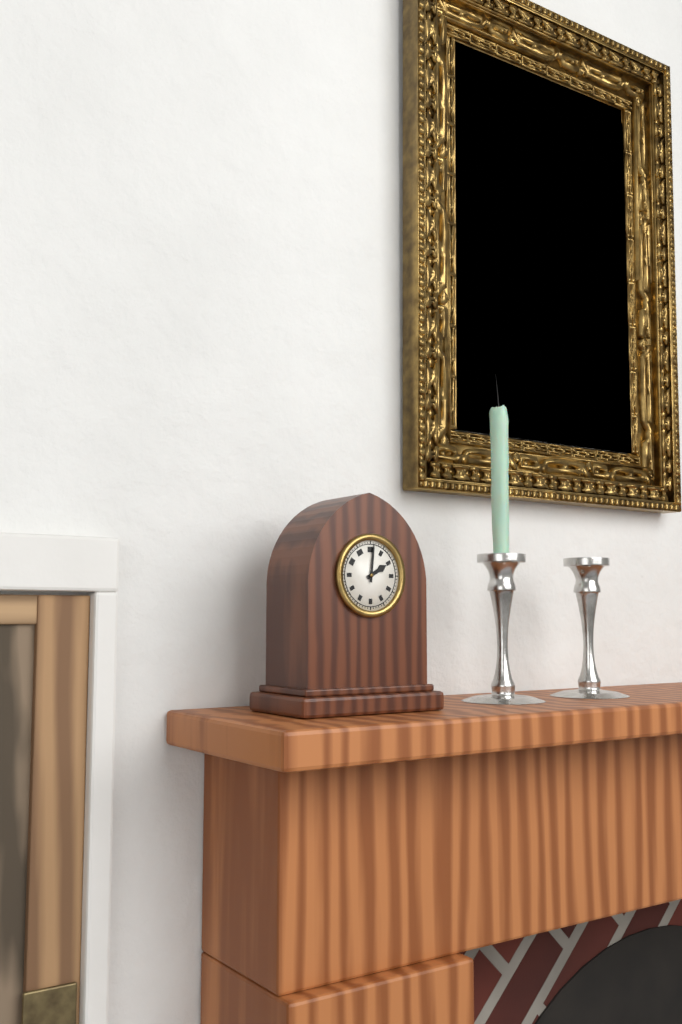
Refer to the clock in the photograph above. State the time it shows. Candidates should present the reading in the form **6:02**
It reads **2:01**
